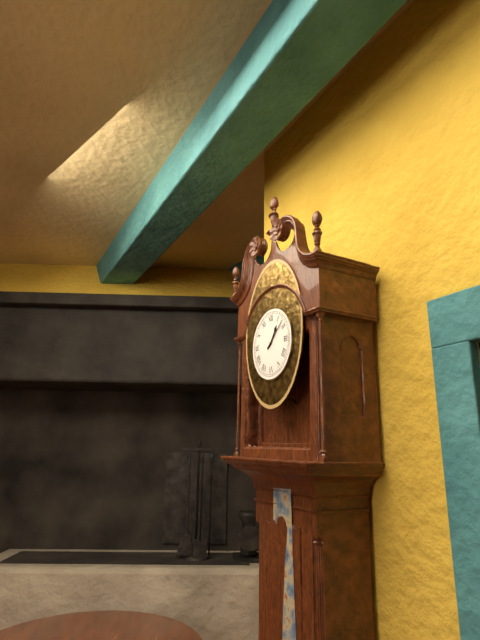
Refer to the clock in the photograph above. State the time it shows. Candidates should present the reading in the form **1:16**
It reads **1:08**
